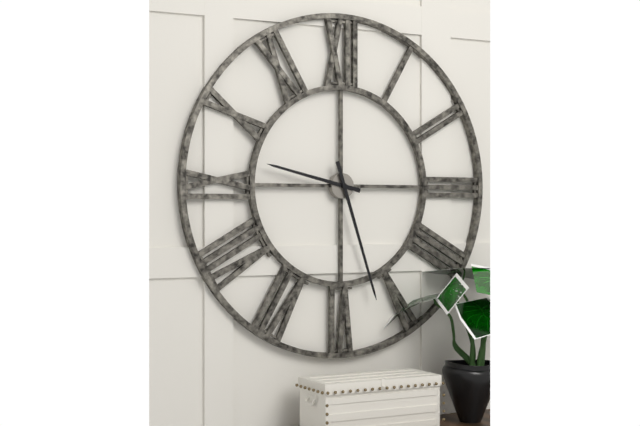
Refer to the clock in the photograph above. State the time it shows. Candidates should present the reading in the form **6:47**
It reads **9:27**
